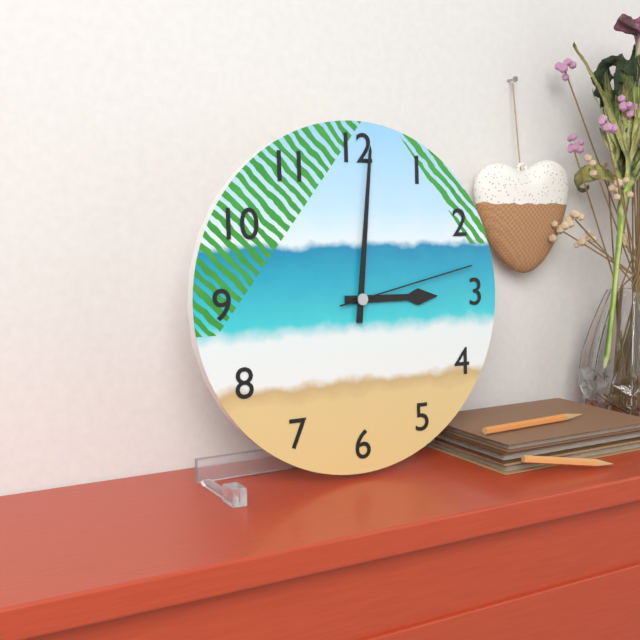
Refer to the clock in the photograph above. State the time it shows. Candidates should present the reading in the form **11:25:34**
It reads **3:01:13**
